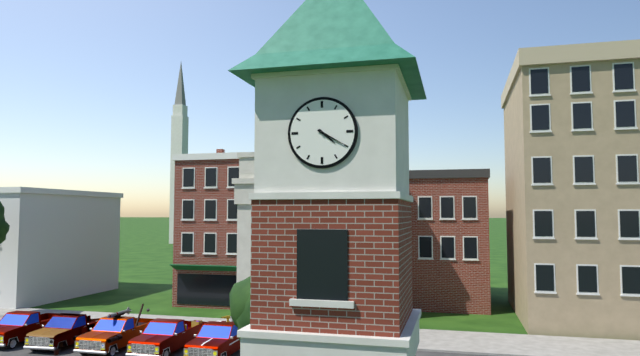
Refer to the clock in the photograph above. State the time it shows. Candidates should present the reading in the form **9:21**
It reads **4:20**
